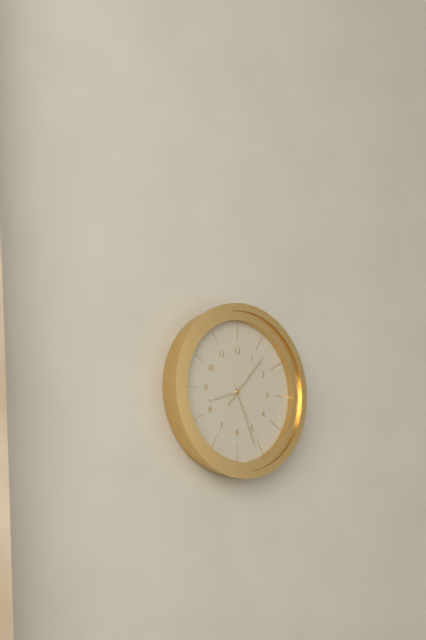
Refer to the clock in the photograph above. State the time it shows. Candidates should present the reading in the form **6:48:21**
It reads **8:26:07**
